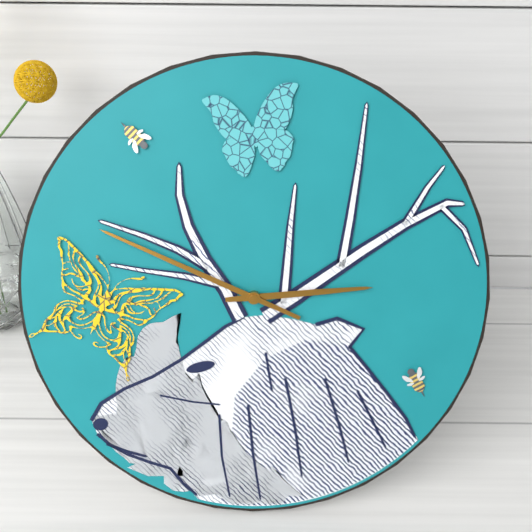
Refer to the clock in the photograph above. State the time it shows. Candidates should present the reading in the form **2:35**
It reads **2:49**
